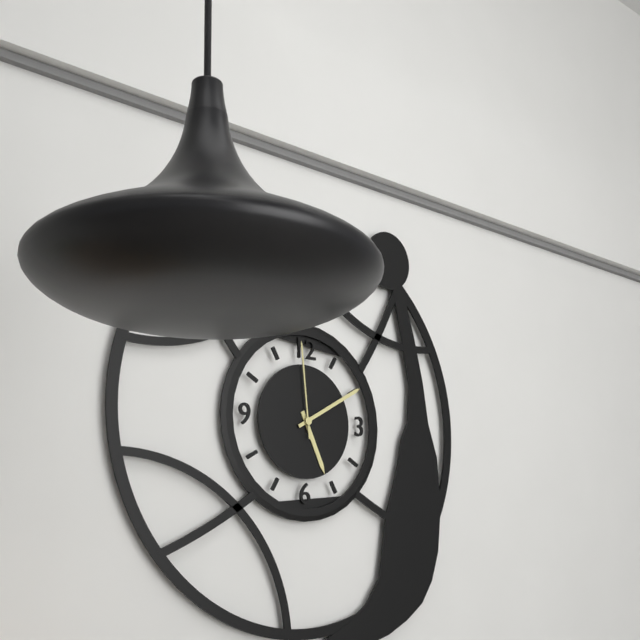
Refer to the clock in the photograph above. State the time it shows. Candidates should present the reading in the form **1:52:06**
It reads **5:10:59**
